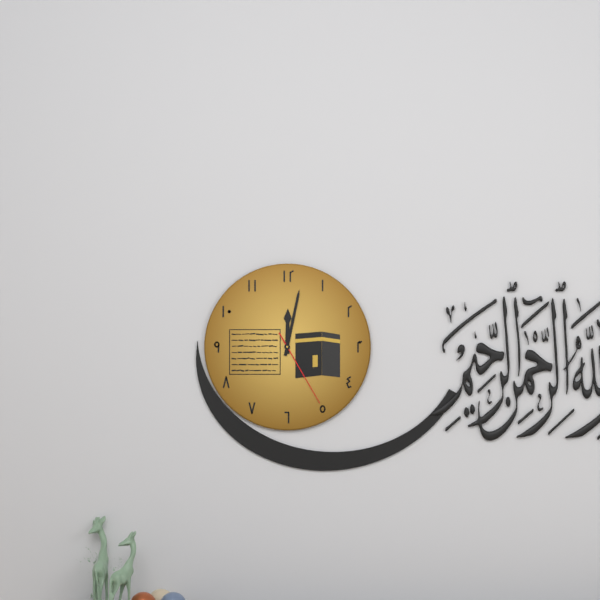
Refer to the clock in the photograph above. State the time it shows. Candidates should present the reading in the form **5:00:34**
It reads **12:02:25**
